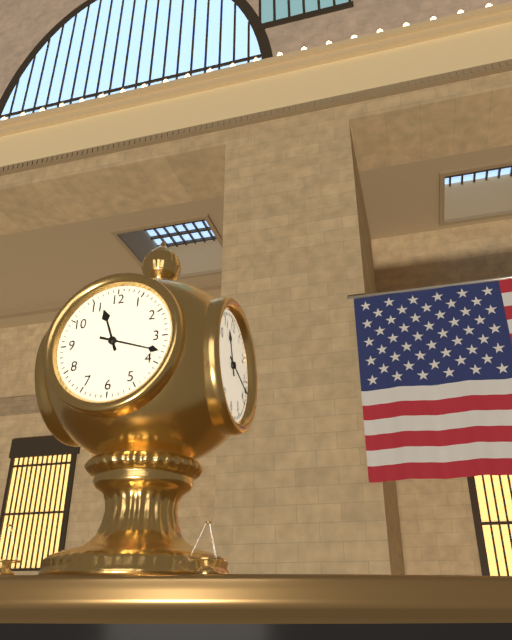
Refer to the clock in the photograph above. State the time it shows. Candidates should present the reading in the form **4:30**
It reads **11:18**
